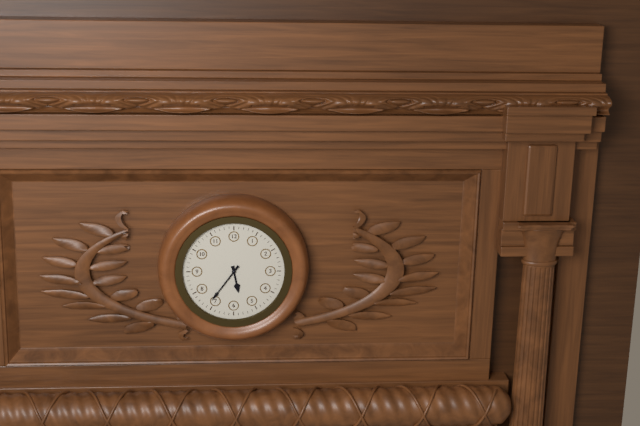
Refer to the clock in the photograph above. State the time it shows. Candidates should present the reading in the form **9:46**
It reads **5:36**
